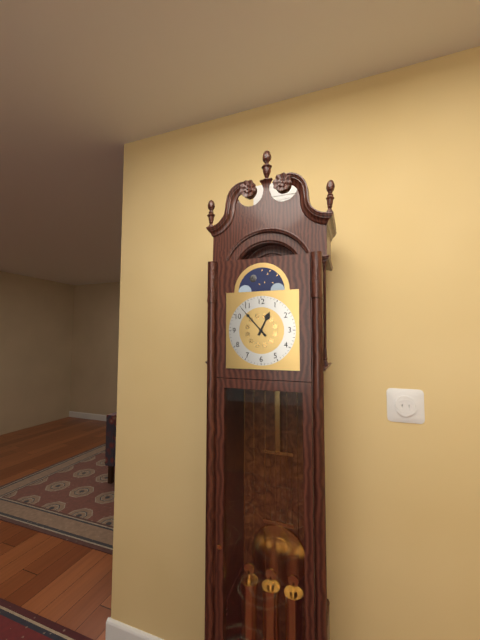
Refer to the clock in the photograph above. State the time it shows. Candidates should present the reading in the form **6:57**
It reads **12:53**
